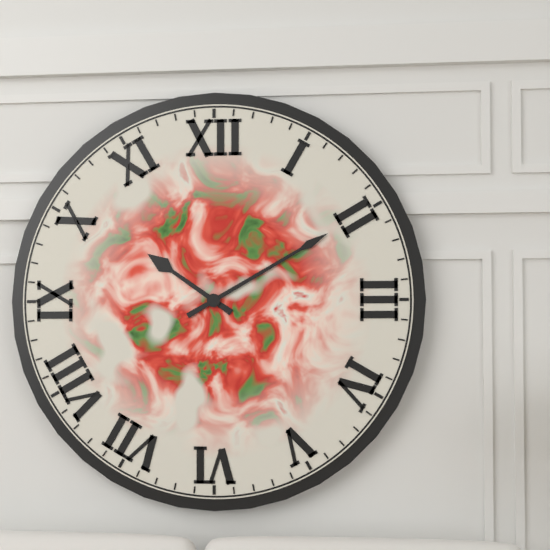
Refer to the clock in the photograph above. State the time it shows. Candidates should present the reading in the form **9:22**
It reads **10:10**
